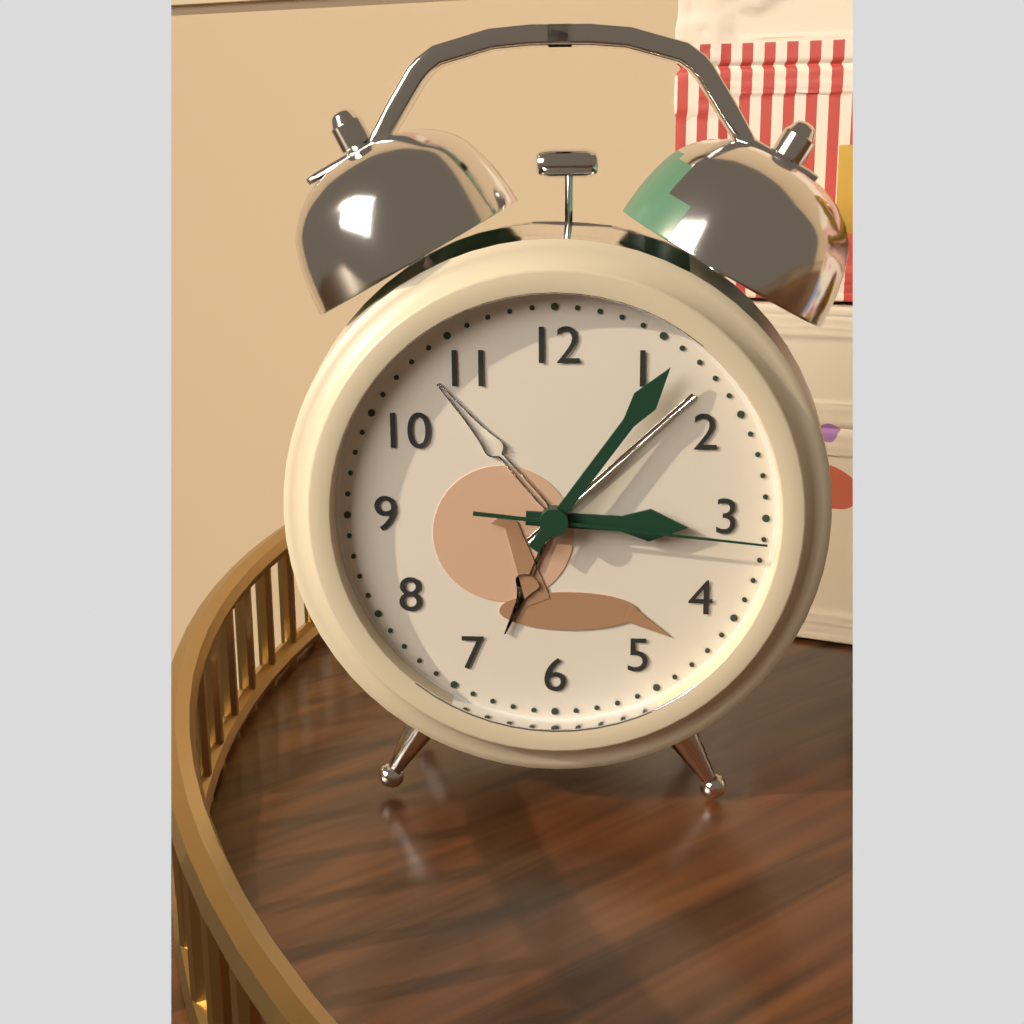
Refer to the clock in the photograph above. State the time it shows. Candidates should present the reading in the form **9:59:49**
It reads **3:06:16**
